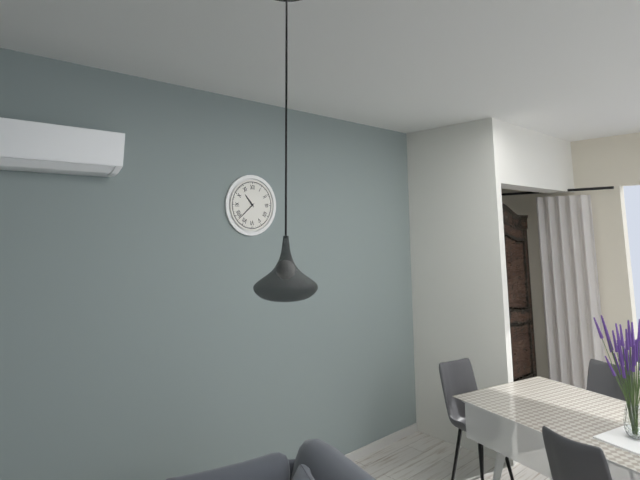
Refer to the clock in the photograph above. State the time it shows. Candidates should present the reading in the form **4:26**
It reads **10:38**
